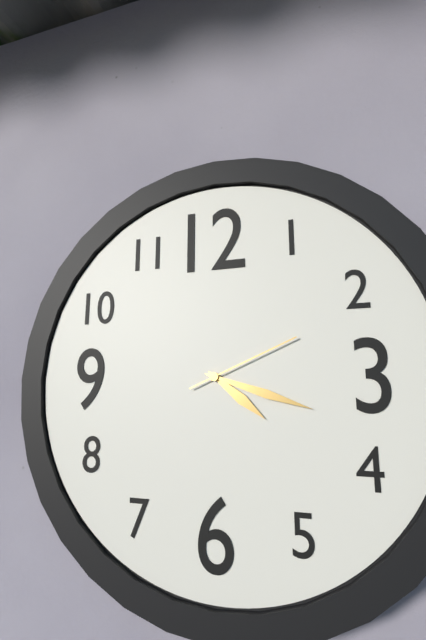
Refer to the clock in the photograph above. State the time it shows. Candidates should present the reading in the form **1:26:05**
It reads **4:18:11**
